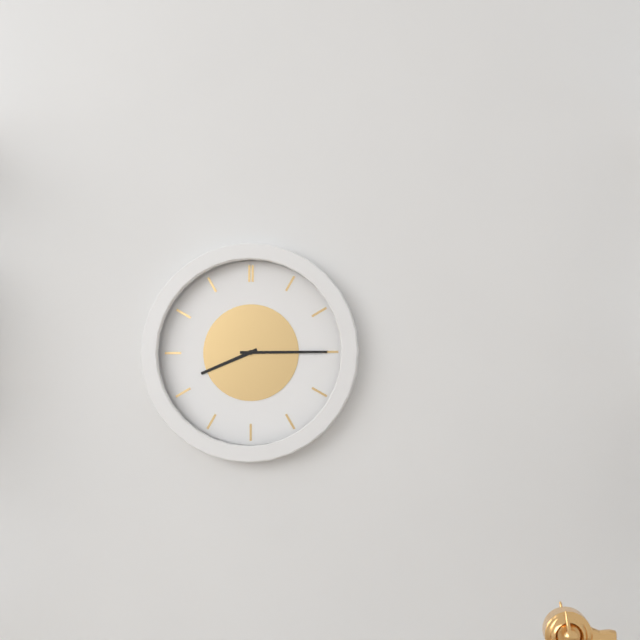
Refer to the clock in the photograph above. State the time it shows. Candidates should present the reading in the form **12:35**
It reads **8:15**
